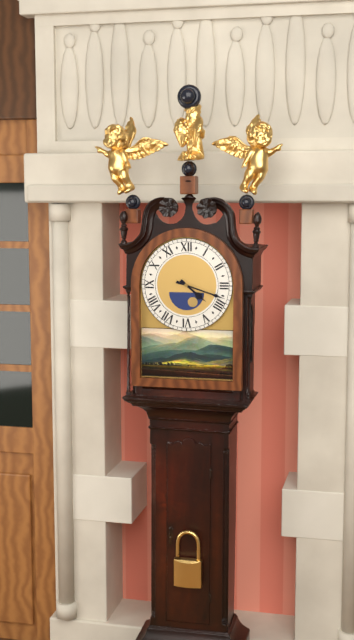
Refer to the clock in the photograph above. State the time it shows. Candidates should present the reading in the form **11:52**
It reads **4:18**
